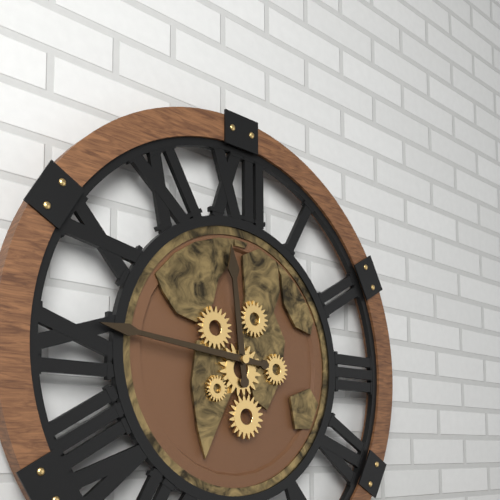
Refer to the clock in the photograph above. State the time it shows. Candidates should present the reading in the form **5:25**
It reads **11:46**
